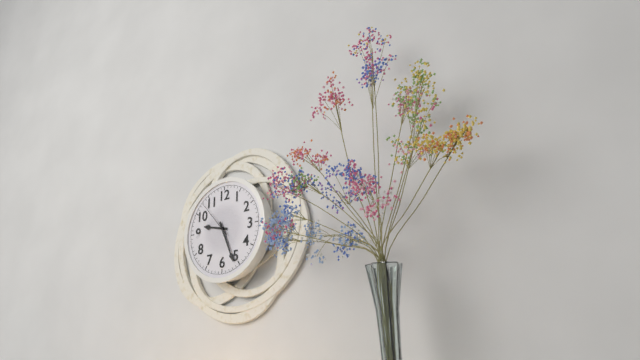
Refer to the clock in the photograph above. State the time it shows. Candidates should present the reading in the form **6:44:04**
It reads **9:26:53**
